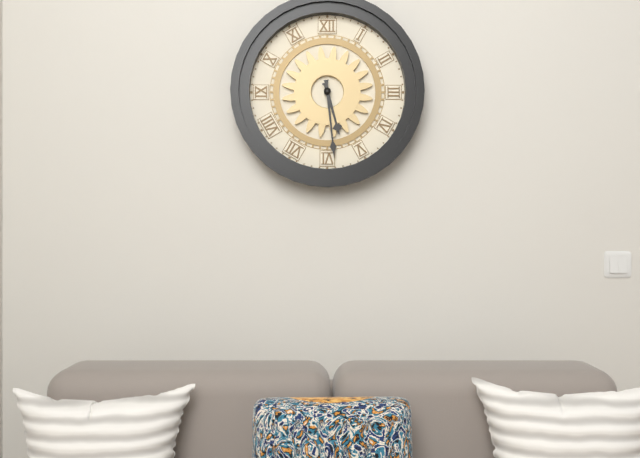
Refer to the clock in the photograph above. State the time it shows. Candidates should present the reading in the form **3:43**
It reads **5:29**
